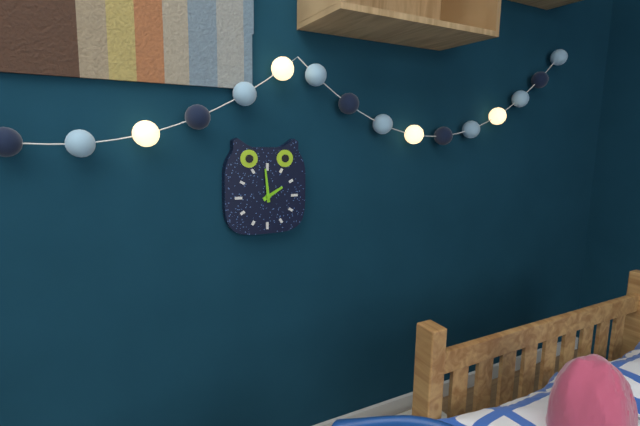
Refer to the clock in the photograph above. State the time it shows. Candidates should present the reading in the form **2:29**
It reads **1:59**
